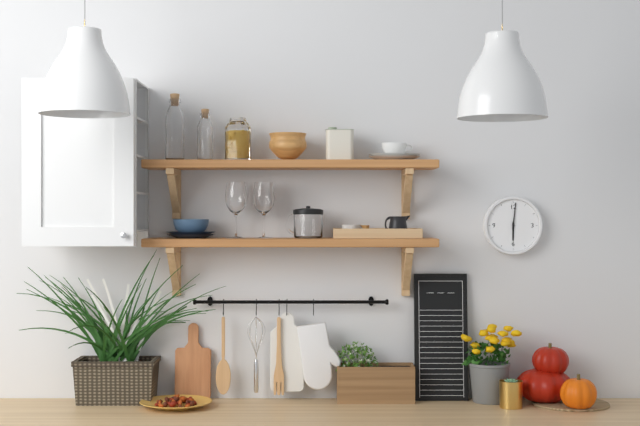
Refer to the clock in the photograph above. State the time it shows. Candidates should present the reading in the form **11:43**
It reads **6:01**
